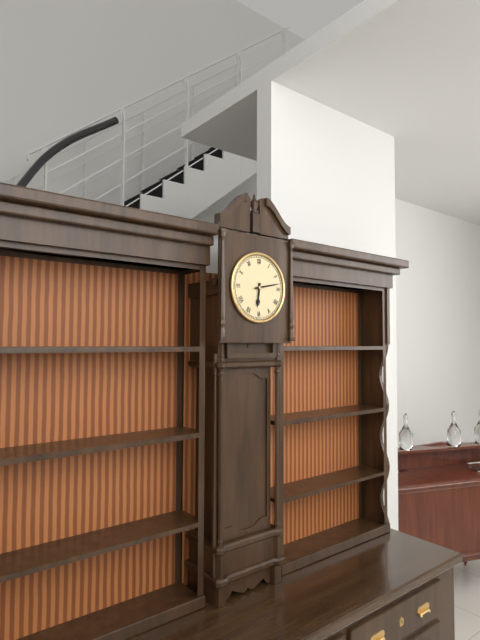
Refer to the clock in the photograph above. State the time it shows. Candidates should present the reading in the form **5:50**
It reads **6:13**
